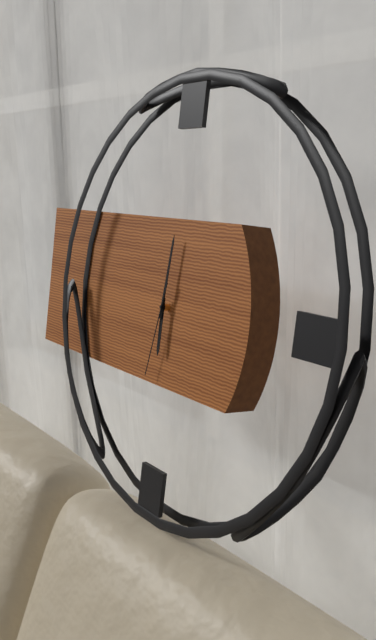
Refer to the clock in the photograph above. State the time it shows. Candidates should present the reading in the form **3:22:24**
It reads **6:01:32**
